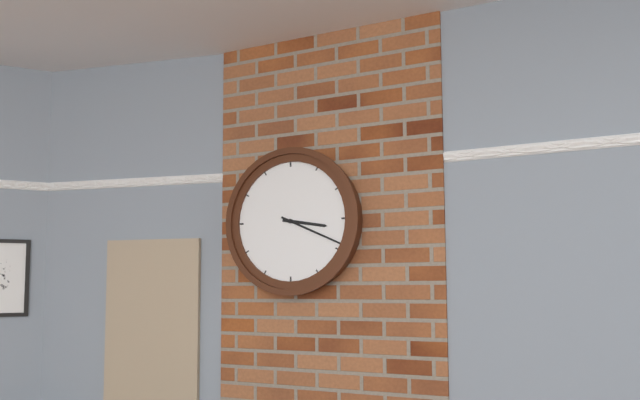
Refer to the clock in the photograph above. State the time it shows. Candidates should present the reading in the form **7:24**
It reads **3:19**
